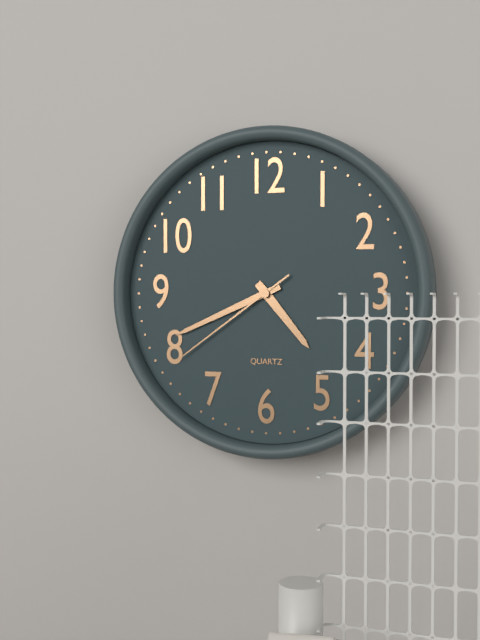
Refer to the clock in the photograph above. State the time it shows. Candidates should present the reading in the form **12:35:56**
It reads **4:41:39**
